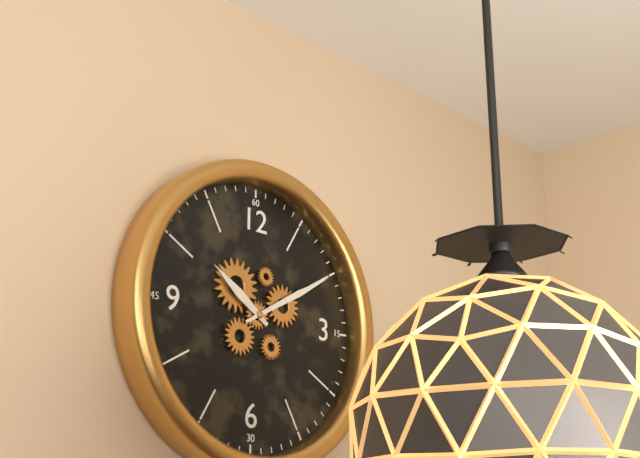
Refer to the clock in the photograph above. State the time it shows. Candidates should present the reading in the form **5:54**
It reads **10:10**
